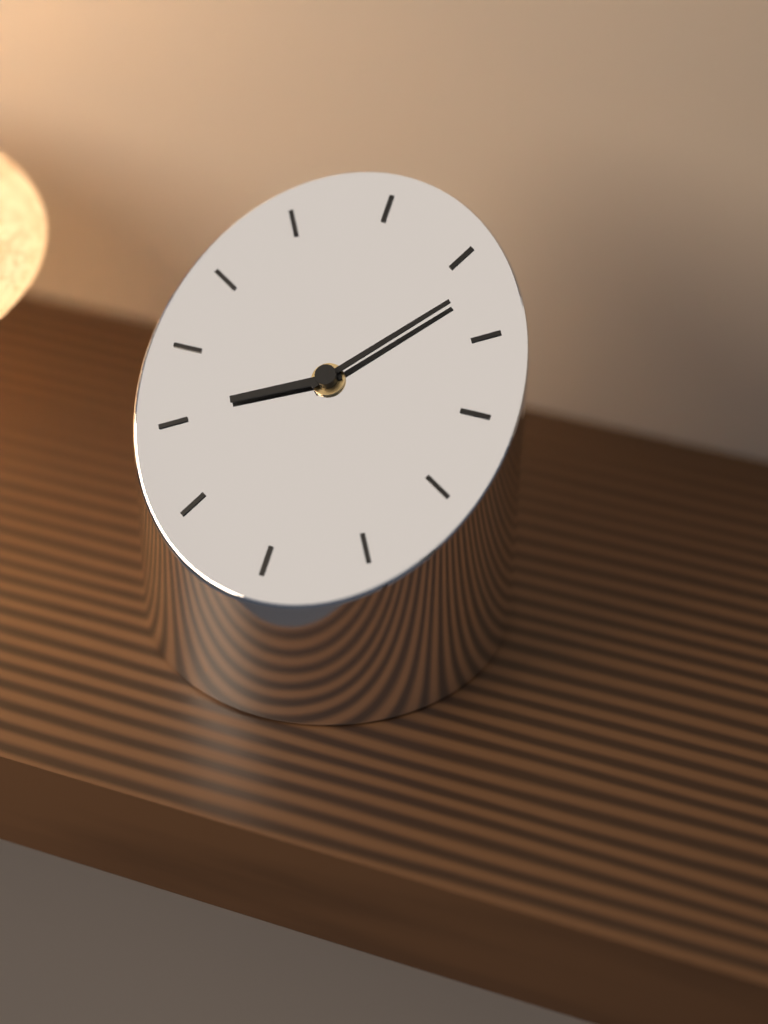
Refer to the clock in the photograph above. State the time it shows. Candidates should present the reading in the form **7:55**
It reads **8:07**
